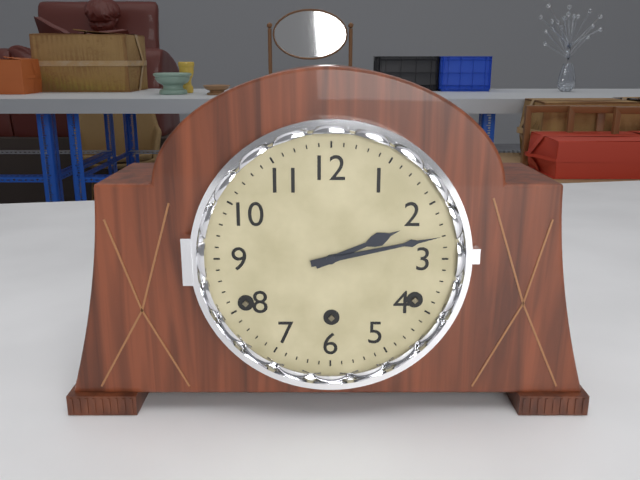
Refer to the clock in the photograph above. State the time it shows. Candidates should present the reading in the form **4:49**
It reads **2:13**
